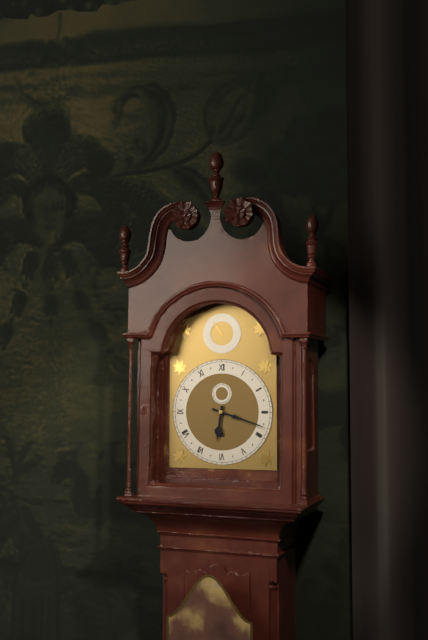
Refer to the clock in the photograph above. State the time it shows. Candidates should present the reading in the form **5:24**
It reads **6:18**
